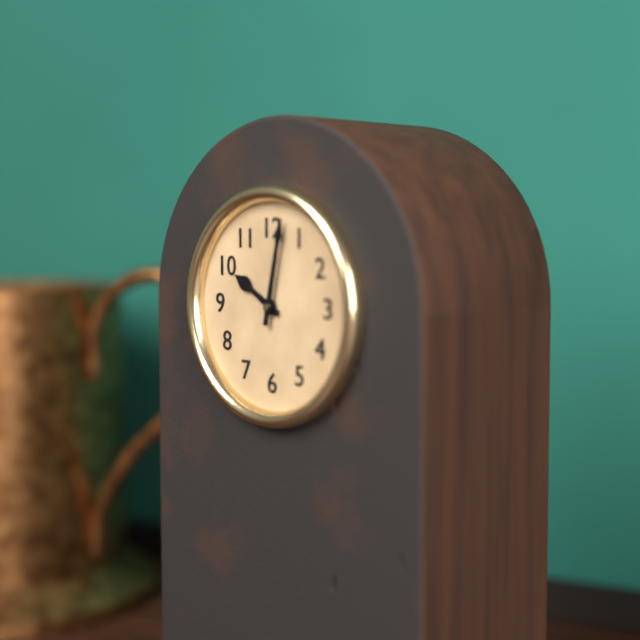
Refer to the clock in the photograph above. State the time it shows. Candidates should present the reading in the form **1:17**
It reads **10:02**
